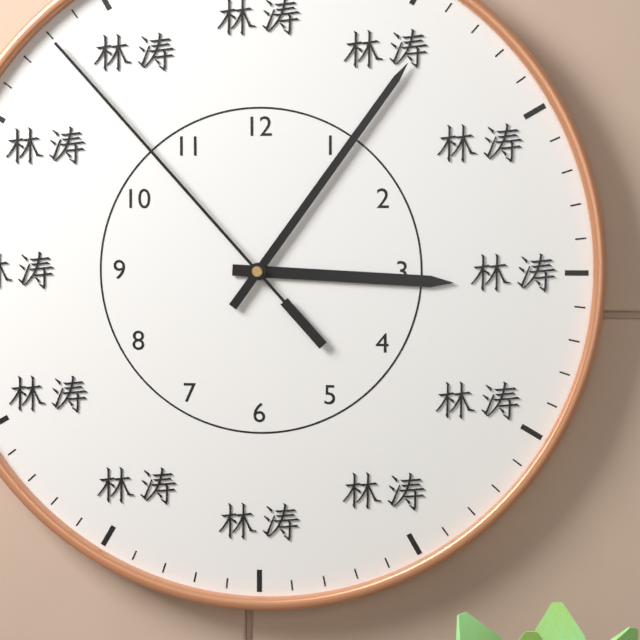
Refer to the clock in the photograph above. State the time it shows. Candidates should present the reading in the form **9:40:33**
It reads **3:06:53**
